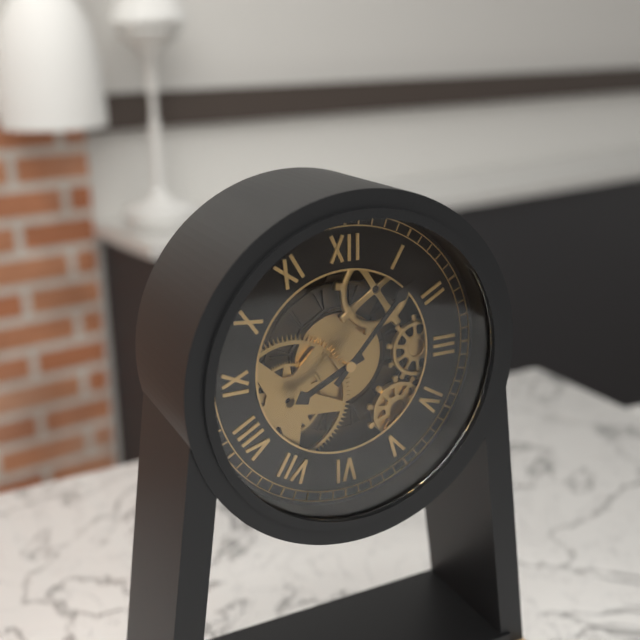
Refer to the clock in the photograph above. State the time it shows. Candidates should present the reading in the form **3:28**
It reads **8:07**
